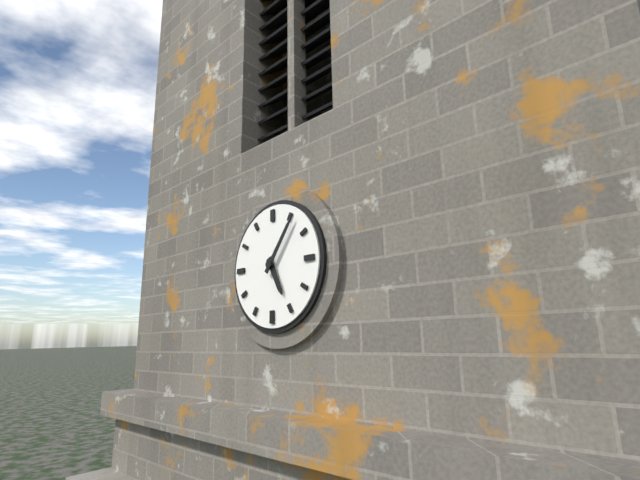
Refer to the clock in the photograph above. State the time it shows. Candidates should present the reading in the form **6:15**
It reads **5:06**
